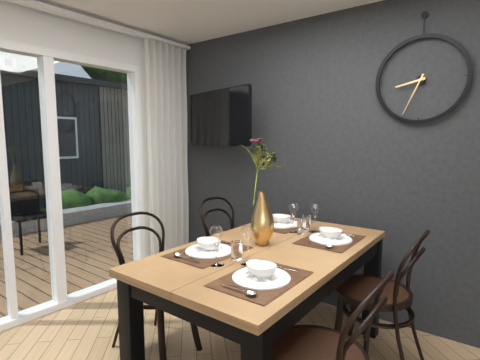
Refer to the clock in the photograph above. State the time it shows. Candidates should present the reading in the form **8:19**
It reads **8:34**
